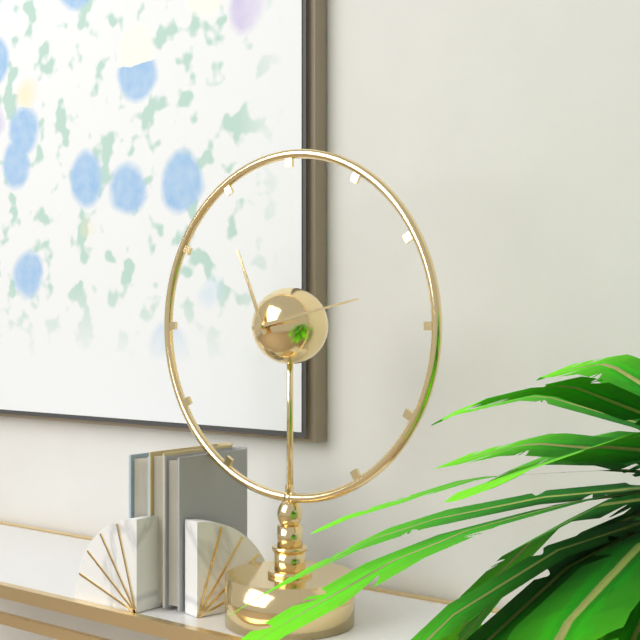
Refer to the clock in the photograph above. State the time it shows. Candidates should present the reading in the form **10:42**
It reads **11:13**
